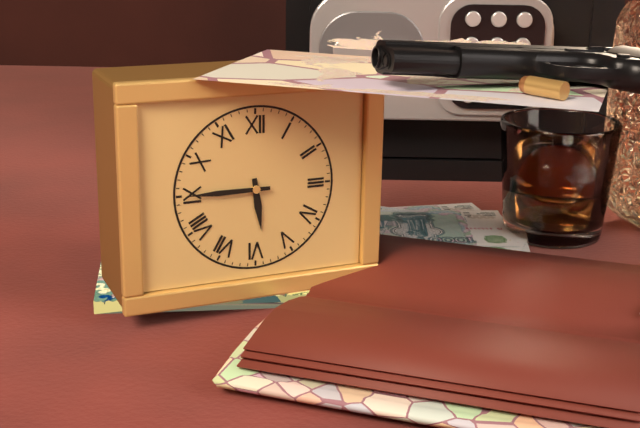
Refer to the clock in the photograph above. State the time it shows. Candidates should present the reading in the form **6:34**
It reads **5:45**
